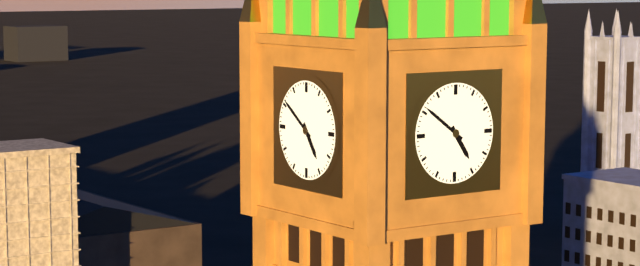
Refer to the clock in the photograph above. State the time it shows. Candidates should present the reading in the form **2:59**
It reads **4:51**
